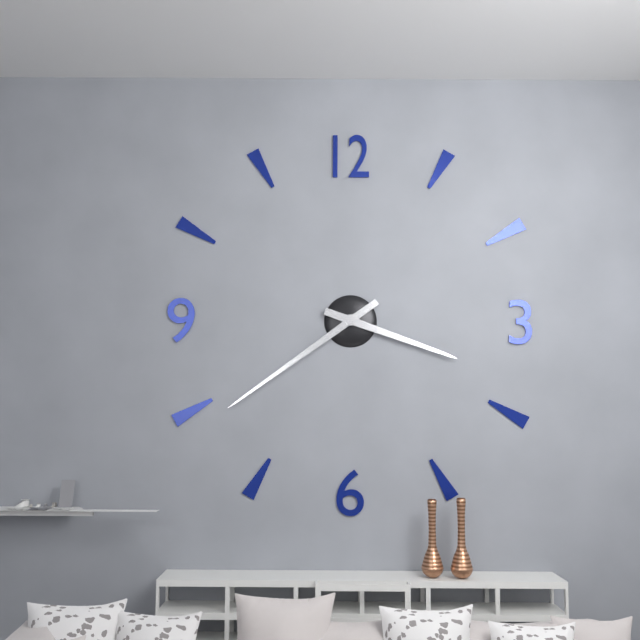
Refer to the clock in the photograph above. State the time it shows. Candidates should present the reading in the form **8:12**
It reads **3:39**
